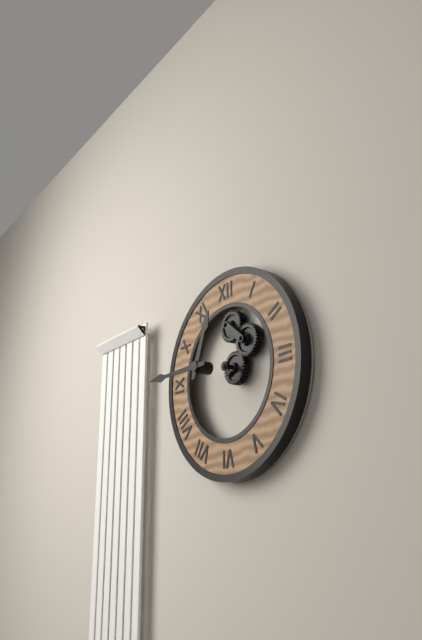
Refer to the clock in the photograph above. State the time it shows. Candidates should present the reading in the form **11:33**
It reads **12:45**
